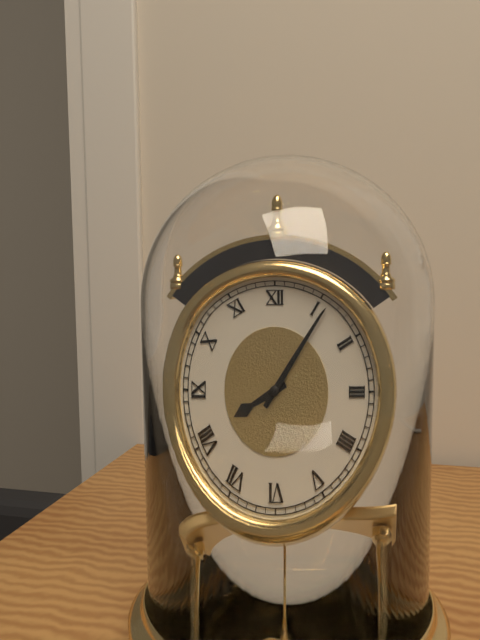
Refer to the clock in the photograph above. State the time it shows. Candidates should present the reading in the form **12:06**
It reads **8:06**
